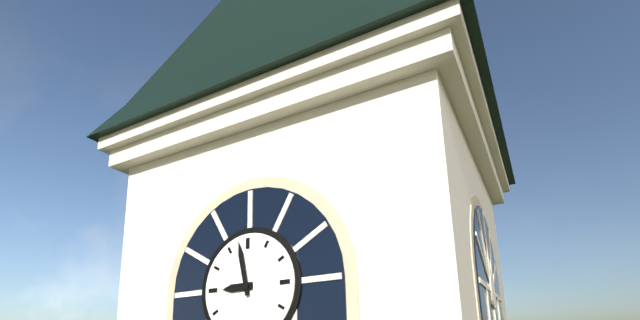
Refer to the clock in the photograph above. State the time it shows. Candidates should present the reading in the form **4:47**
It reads **8:58**
